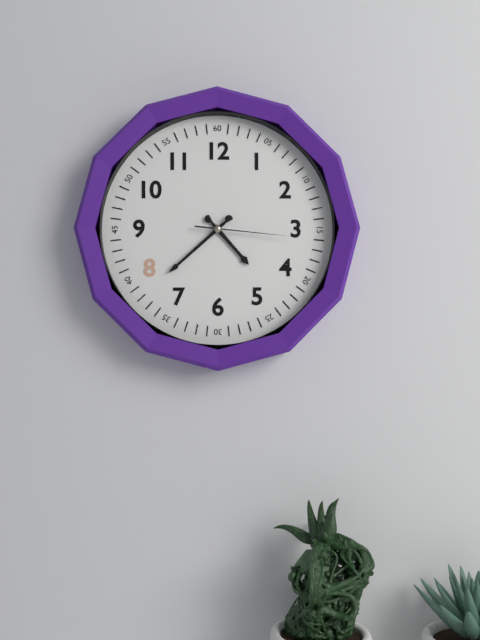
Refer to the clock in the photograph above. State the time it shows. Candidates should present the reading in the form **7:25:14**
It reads **4:38:16**
